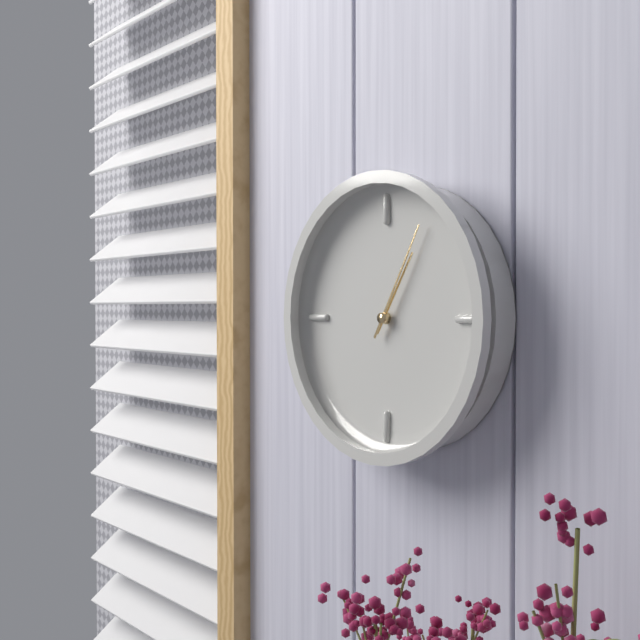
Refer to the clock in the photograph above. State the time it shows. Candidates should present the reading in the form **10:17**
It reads **1:05**
